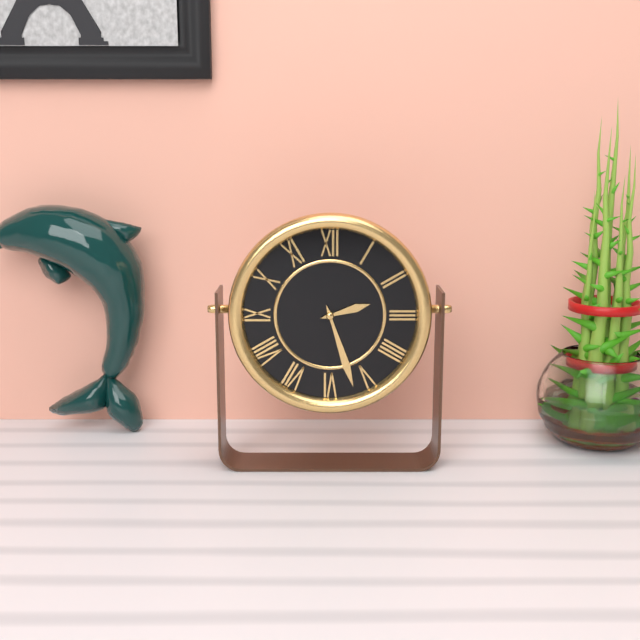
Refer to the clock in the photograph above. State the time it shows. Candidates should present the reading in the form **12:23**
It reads **2:27**
